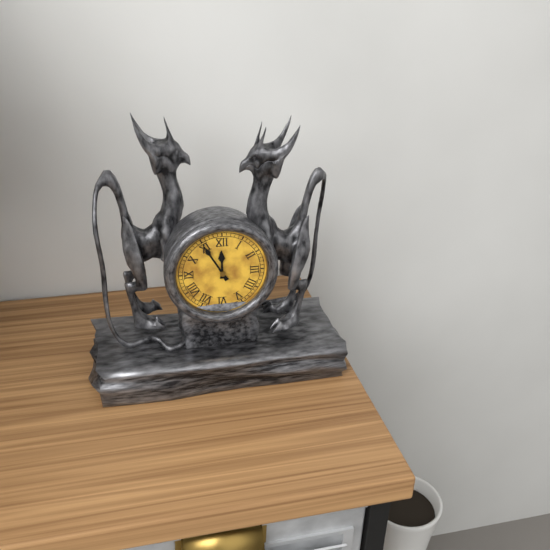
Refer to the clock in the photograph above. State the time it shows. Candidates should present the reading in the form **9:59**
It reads **11:55**
